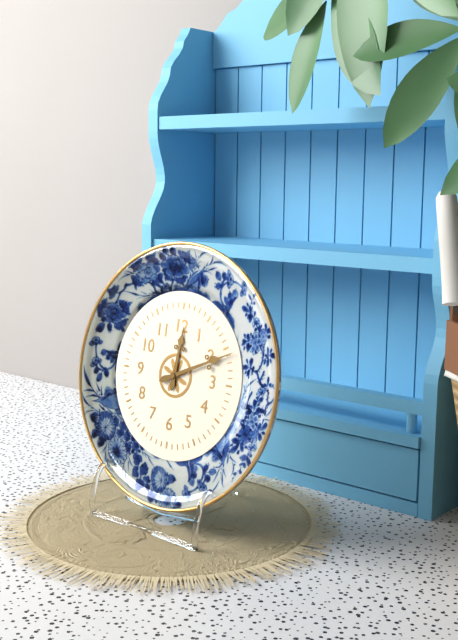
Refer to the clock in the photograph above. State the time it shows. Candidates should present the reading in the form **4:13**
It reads **12:11**
